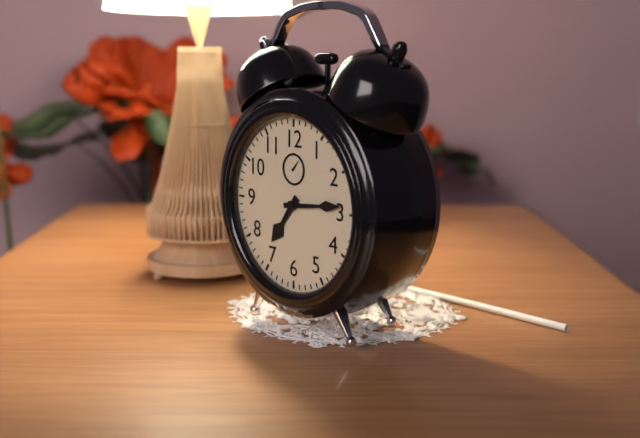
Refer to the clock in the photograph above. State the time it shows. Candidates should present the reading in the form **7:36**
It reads **7:14**
